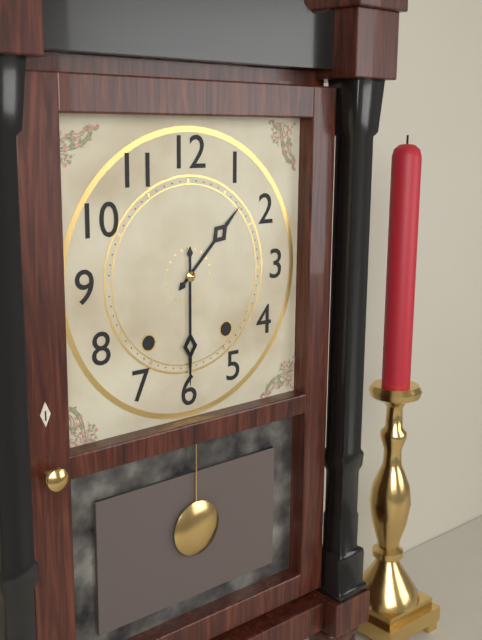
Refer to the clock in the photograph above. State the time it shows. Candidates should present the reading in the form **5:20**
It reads **1:30**
